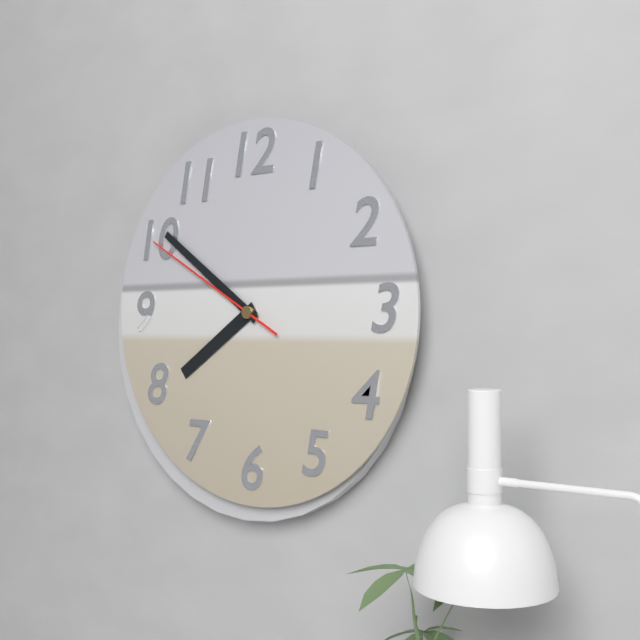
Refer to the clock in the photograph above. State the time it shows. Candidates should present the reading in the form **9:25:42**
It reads **7:51:50**
